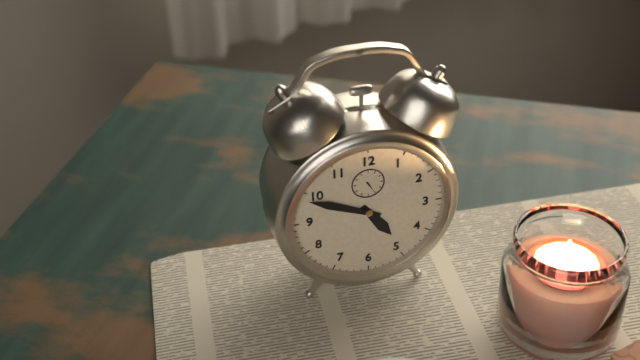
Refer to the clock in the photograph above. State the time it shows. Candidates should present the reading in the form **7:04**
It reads **4:49**
